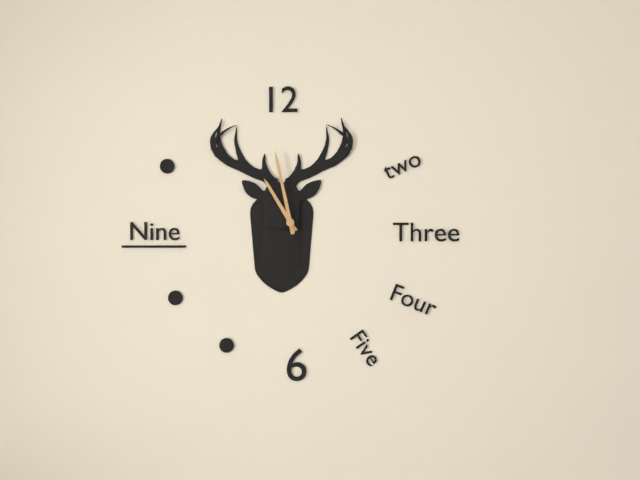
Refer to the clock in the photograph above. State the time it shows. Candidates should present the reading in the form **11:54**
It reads **10:58**
